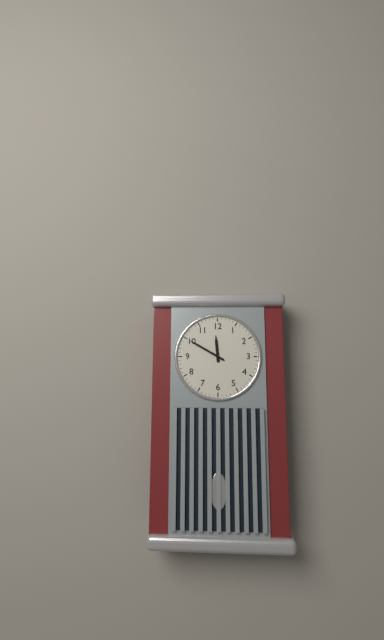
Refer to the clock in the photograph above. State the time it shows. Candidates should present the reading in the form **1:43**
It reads **11:50**
